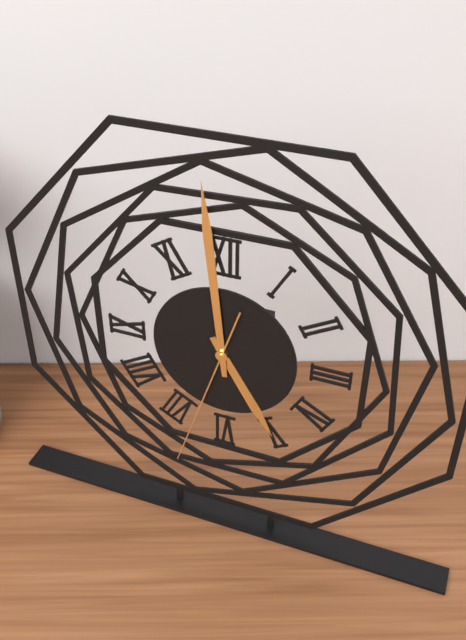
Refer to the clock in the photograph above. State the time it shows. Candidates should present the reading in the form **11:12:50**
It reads **4:59:33**
